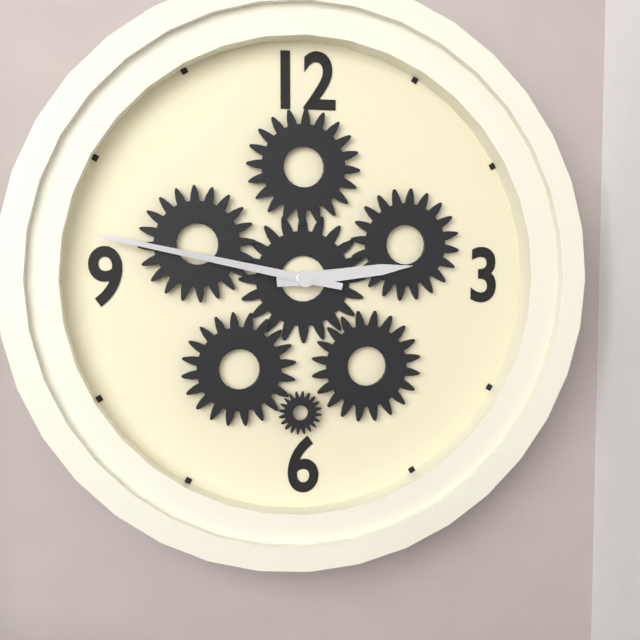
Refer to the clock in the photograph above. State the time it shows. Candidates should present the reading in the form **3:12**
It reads **2:47**
